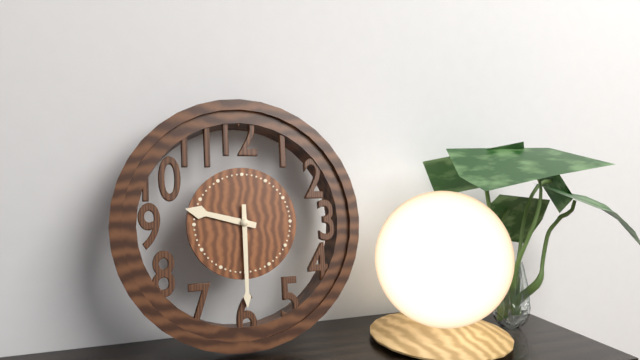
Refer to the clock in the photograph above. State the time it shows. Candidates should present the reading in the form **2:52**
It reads **9:30**
